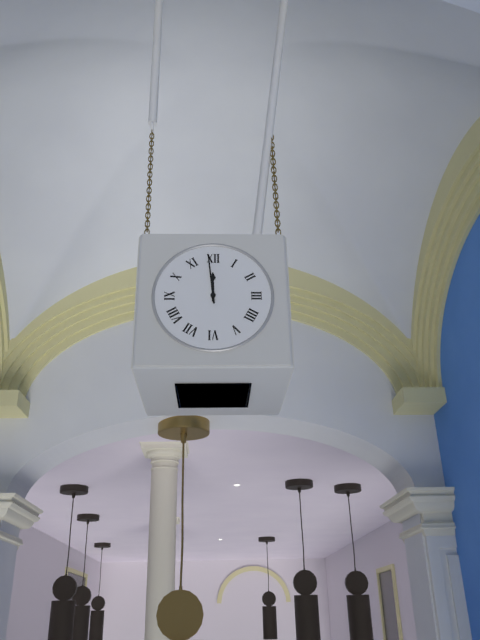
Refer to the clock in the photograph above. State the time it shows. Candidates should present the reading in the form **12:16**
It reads **11:59**
